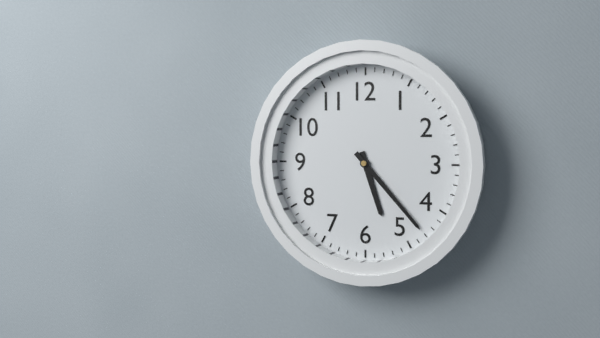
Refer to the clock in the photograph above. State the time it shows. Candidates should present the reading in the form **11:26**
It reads **5:23**
